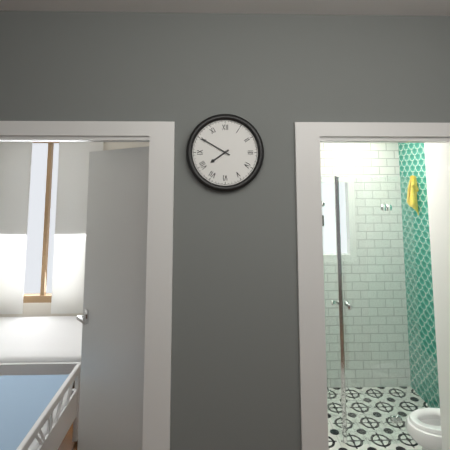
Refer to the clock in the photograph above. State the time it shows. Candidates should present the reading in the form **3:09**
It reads **7:50**
